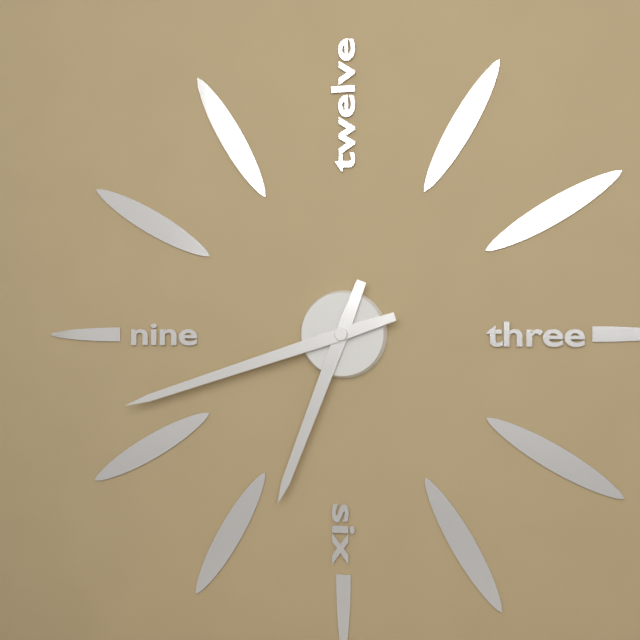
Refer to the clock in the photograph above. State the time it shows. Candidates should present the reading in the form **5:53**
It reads **6:42**
